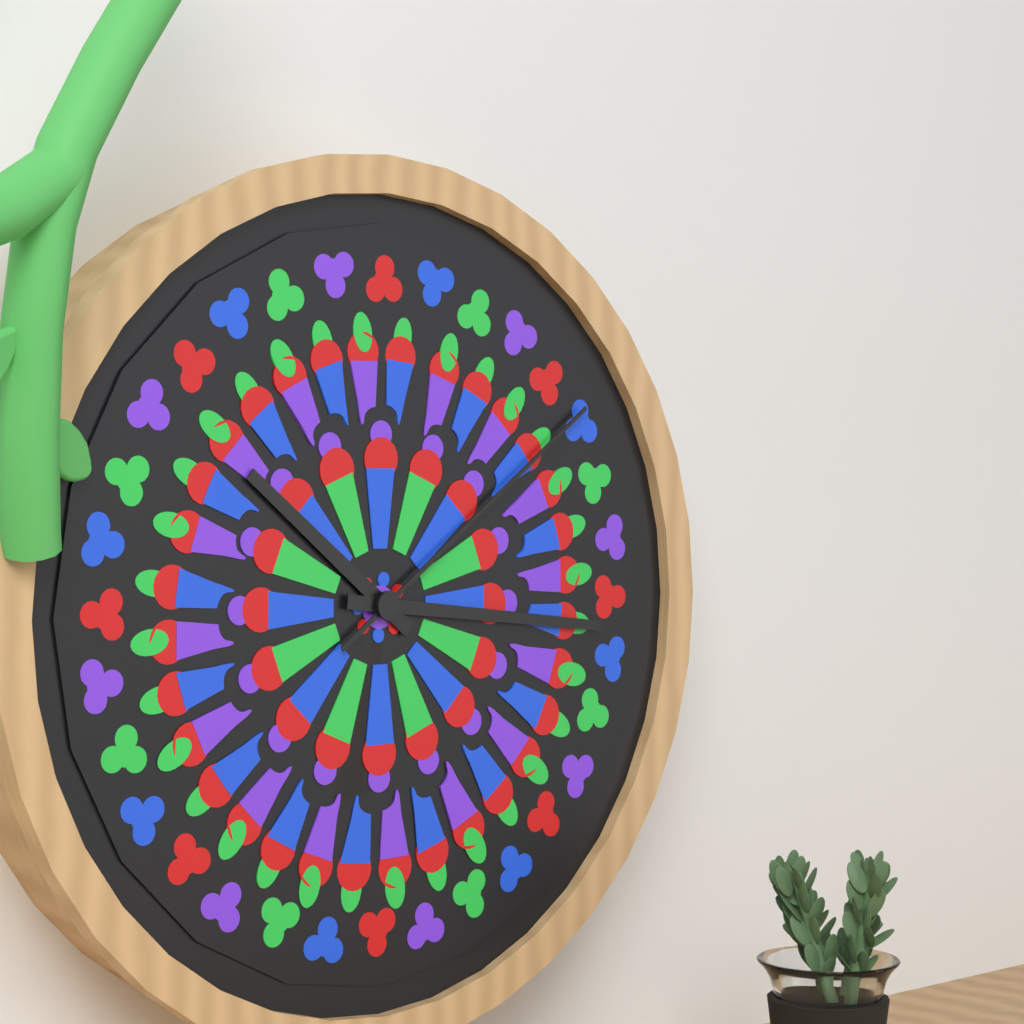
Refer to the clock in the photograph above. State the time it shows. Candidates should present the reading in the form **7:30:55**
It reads **10:16:09**
